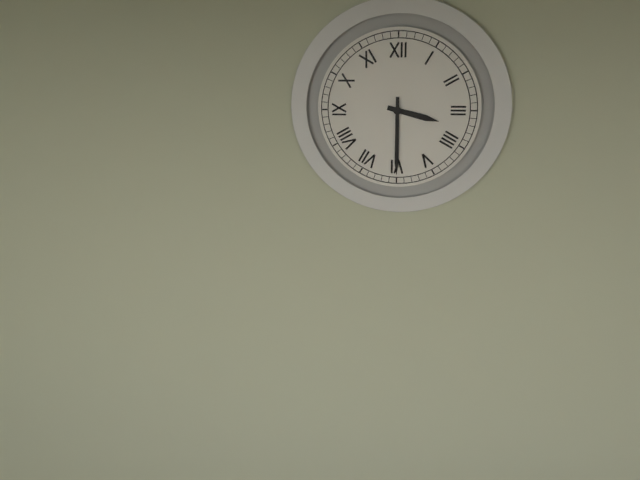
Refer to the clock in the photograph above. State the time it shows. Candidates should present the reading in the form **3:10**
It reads **3:30**
